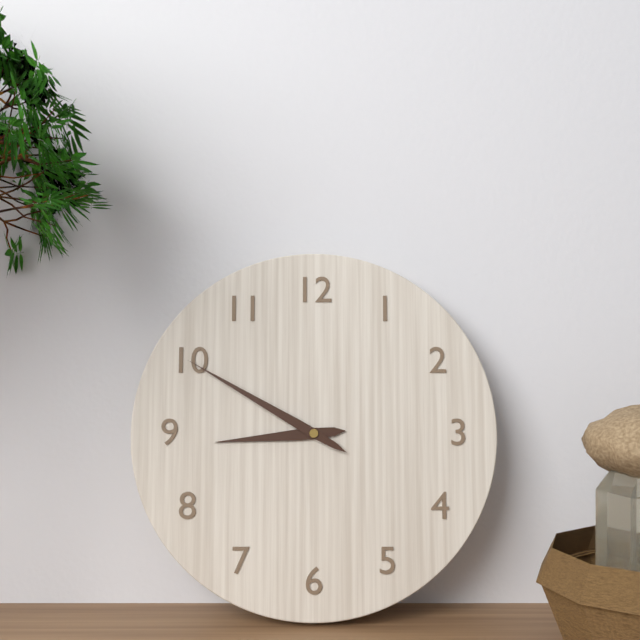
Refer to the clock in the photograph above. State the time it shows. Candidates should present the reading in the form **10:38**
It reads **8:50**
